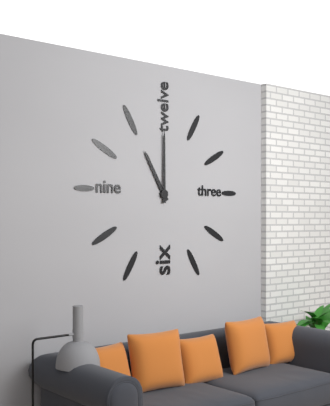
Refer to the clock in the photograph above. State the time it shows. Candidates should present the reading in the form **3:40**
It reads **11:00**
